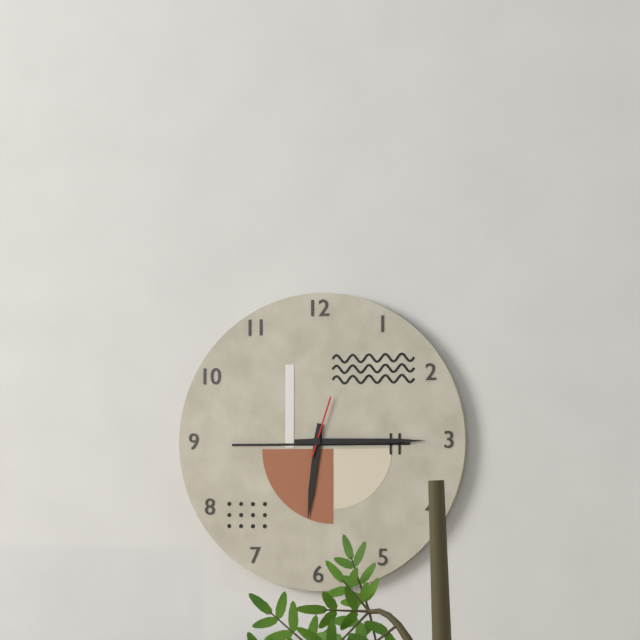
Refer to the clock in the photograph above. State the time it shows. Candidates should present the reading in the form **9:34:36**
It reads **6:15:03**
